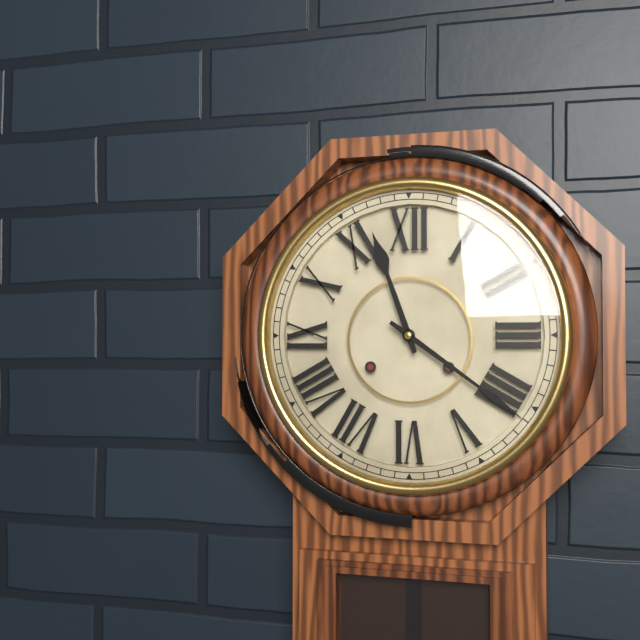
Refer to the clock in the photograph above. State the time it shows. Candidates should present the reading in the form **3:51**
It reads **11:21**
